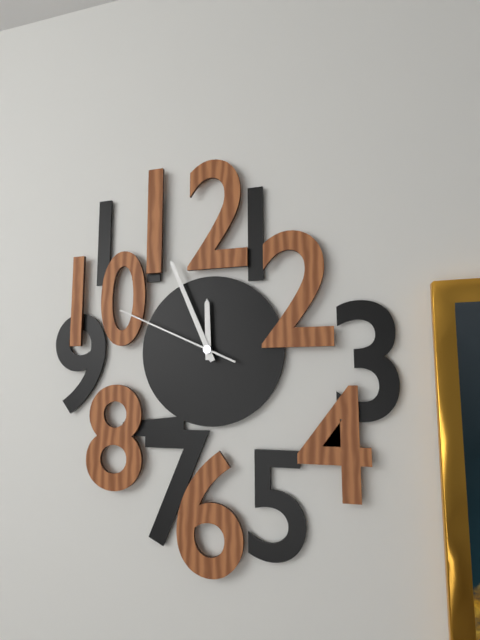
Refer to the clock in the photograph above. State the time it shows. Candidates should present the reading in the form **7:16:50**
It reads **11:56:49**
